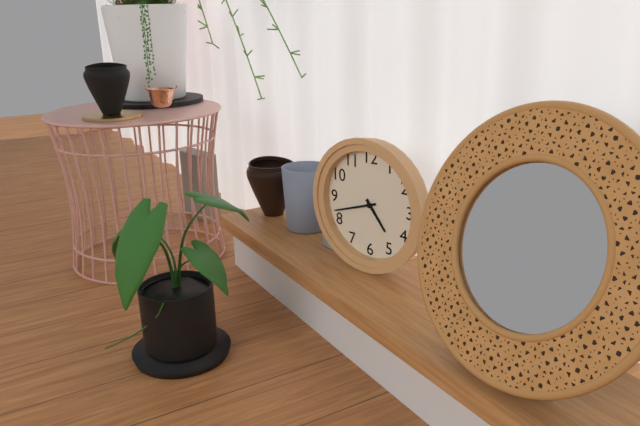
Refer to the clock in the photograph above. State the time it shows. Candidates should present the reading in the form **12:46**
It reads **4:42**
